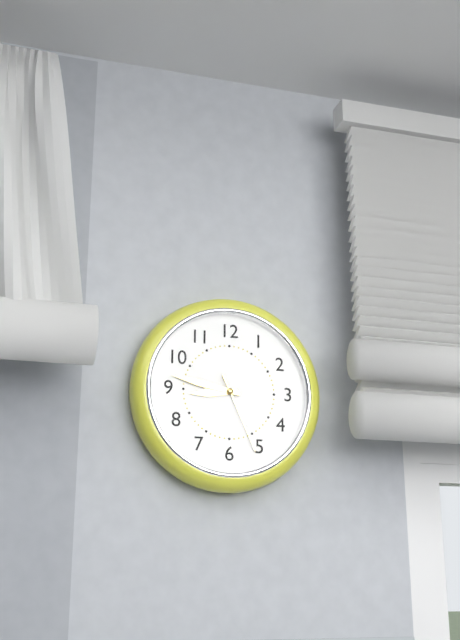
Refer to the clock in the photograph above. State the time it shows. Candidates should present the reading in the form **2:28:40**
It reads **8:47:26**
